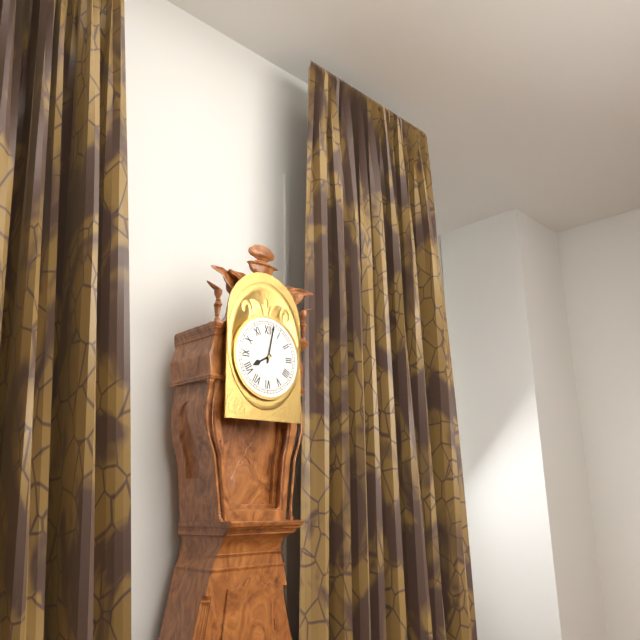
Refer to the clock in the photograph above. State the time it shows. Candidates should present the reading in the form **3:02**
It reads **8:02**
